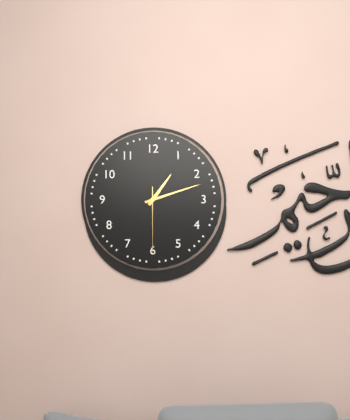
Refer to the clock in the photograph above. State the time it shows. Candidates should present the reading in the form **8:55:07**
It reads **1:12:30**
